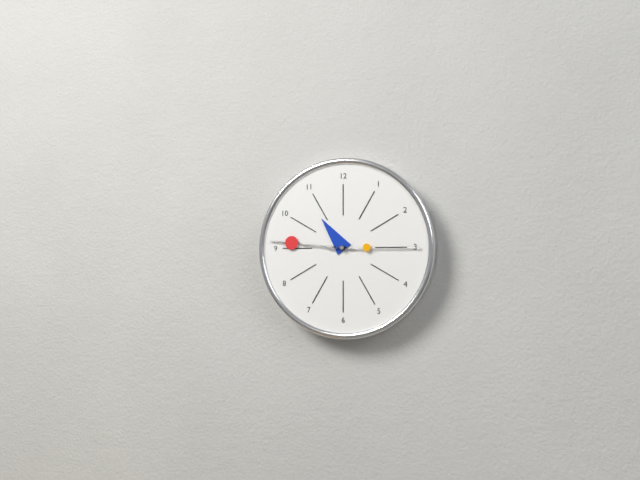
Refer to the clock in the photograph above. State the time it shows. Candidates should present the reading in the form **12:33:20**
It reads **10:46:15**
